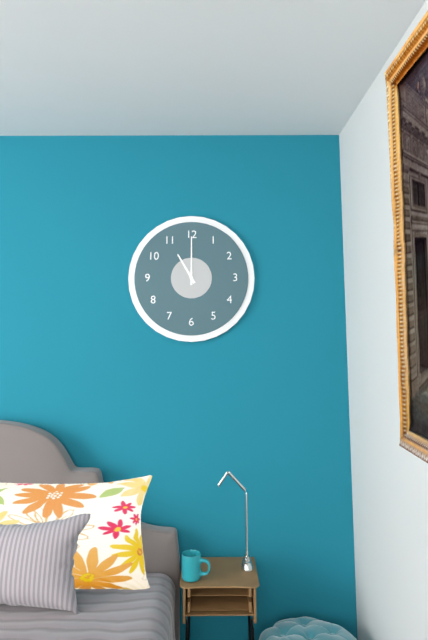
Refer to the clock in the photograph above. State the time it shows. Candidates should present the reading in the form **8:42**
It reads **11:00**
